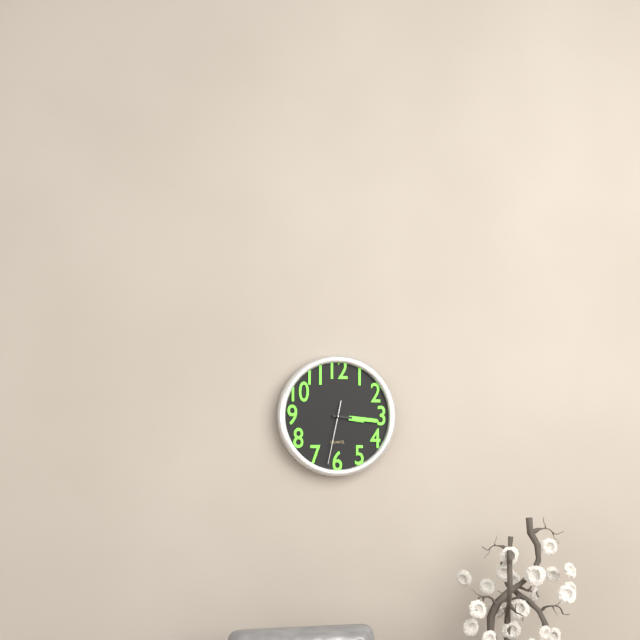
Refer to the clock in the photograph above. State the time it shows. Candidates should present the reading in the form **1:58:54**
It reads **3:16:32**
